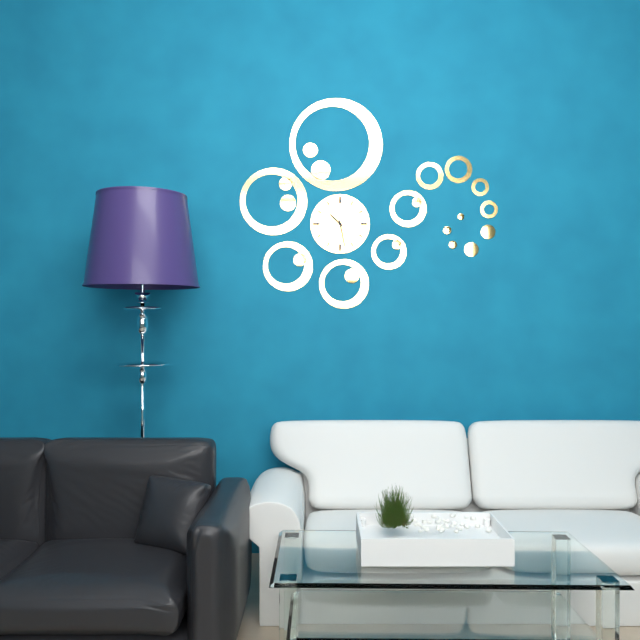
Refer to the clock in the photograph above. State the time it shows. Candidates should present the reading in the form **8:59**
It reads **10:28**
